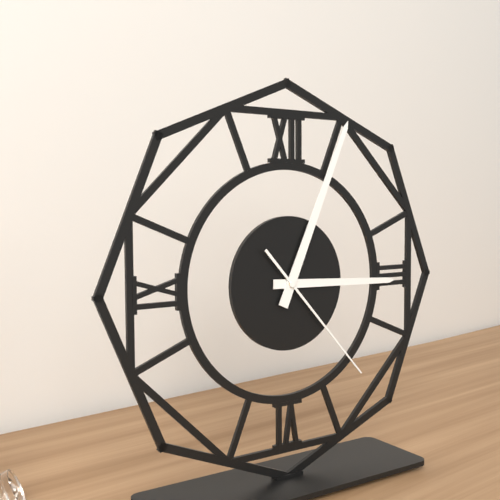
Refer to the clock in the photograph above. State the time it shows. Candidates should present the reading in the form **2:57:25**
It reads **3:04:23**
